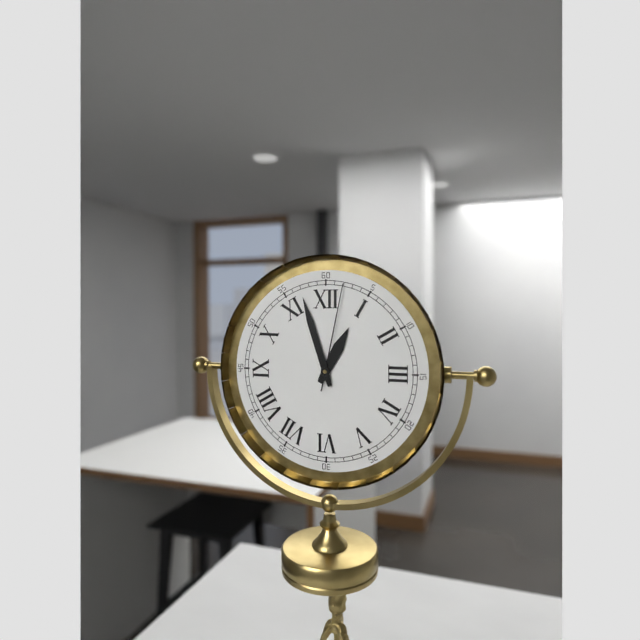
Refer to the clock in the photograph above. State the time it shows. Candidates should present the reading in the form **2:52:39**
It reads **12:57:02**
